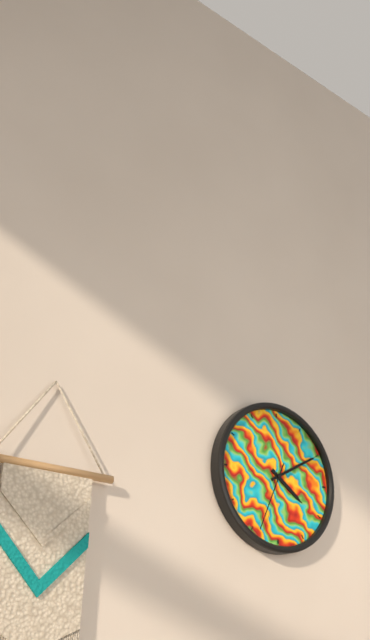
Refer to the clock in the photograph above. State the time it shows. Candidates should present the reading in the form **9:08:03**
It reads **4:10:34**
